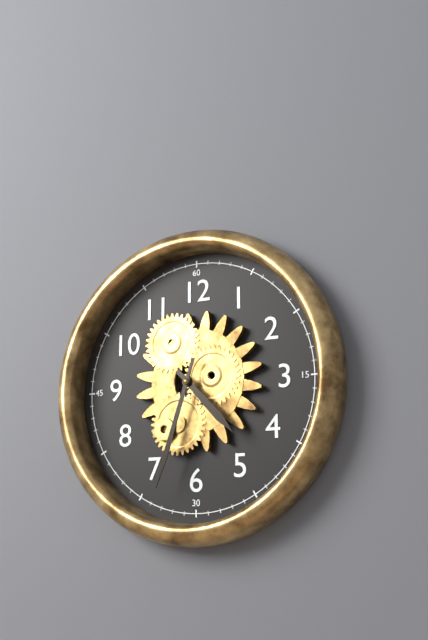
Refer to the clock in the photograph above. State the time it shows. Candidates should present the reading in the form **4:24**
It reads **4:33**
